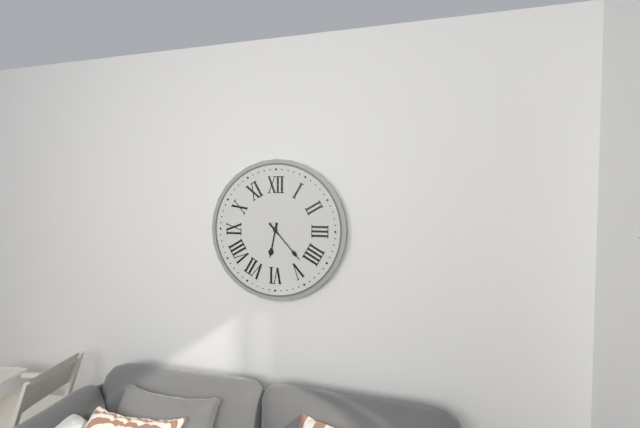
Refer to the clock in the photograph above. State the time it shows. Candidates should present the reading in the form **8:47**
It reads **6:23**
